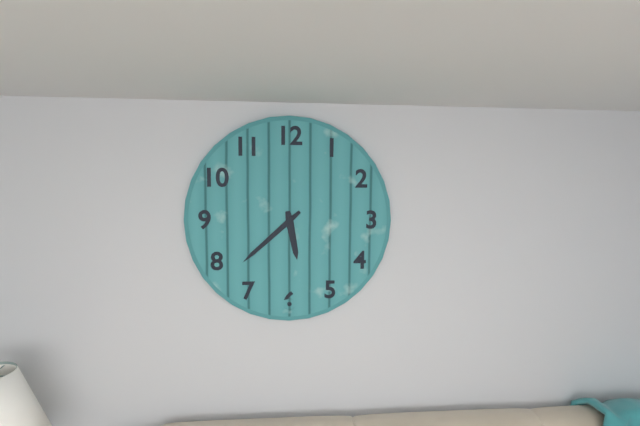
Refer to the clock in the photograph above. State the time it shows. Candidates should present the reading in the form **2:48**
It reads **5:38**
